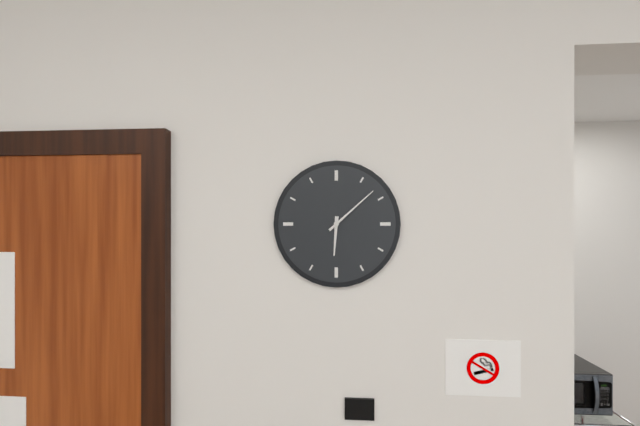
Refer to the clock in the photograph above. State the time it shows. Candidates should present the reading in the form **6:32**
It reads **6:08**
